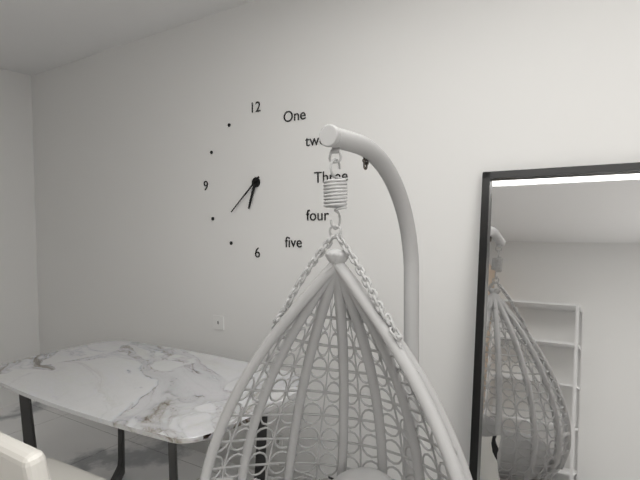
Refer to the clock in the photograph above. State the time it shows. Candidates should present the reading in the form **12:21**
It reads **6:38**
